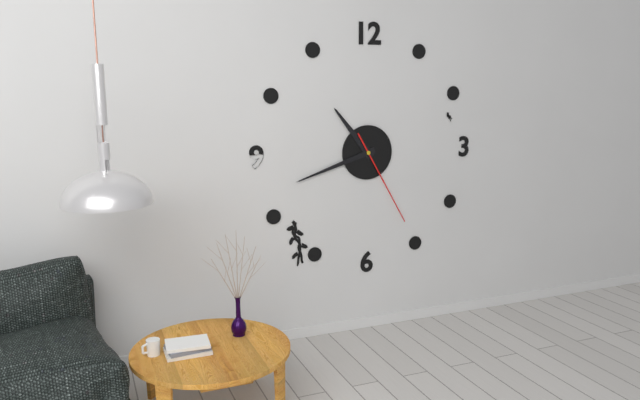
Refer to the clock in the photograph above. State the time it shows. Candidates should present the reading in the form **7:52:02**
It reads **10:42:25**
